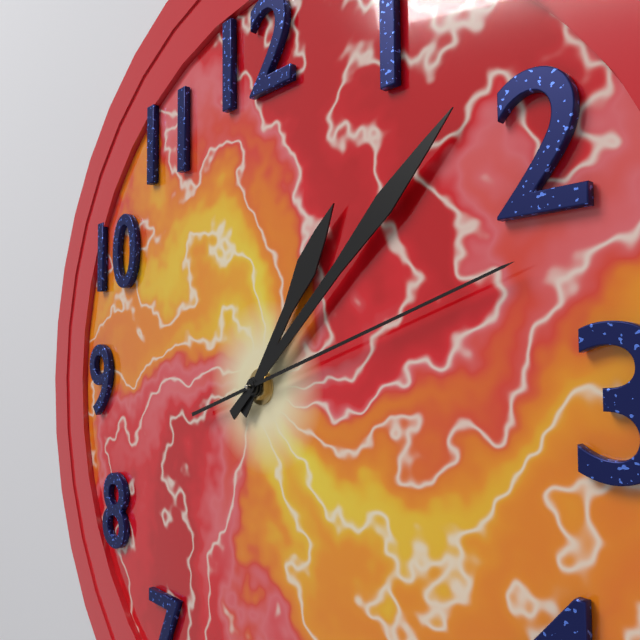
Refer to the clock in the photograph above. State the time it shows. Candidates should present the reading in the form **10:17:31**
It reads **1:08:12**
